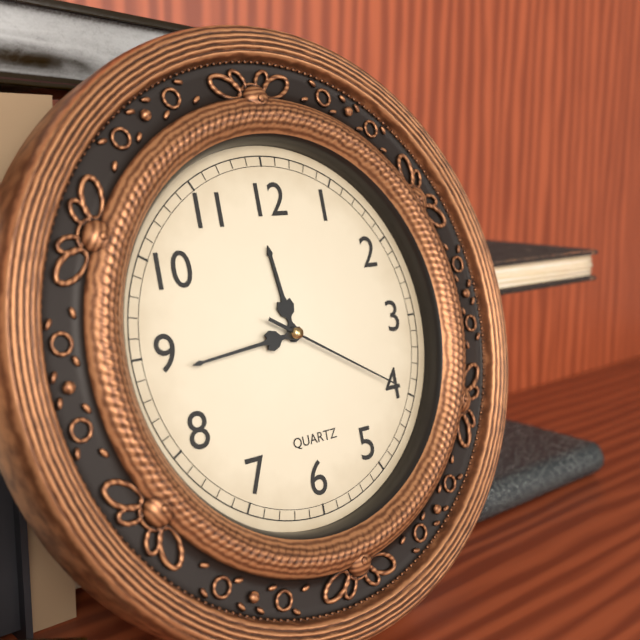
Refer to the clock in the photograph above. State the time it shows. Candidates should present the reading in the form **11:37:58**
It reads **11:44:20**
